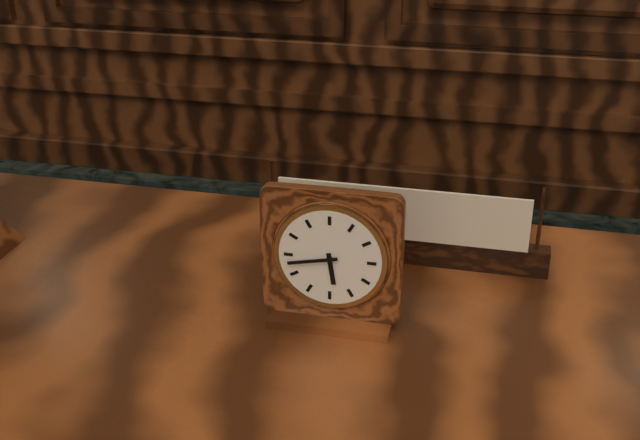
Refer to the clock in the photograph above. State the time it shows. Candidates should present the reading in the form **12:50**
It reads **5:43**
